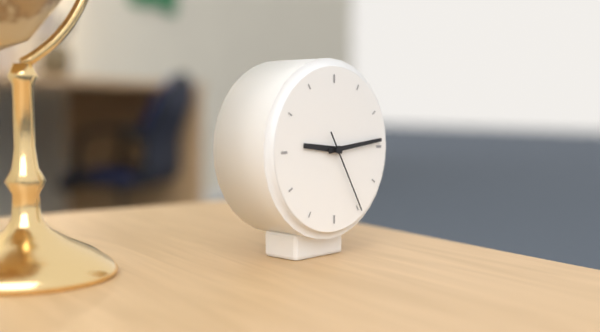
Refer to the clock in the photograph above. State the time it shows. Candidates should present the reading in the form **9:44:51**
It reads **9:14:25**
